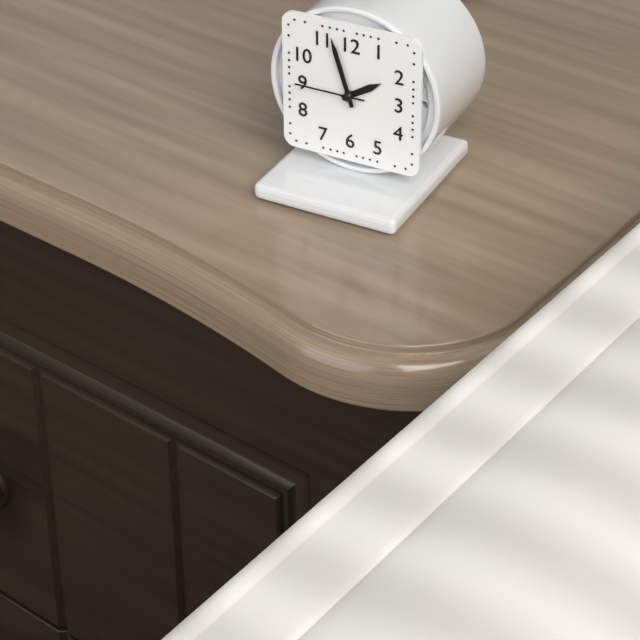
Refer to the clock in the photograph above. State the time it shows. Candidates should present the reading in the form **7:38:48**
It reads **1:57:45**
